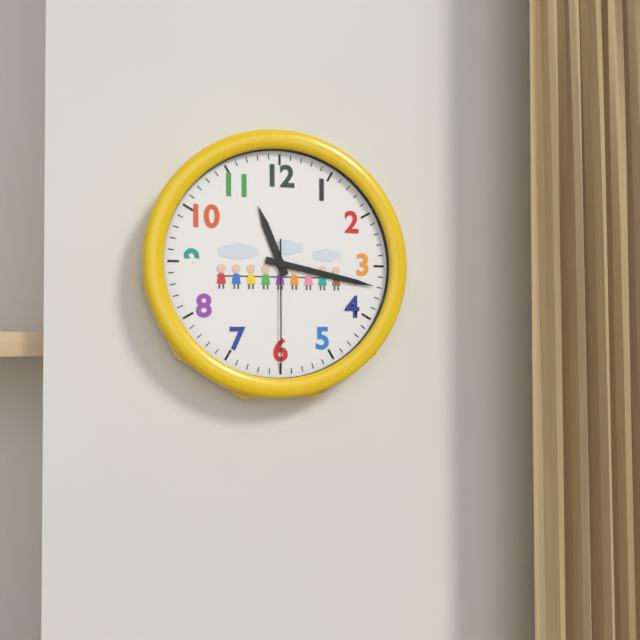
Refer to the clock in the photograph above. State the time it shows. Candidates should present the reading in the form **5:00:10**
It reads **11:17:30**
